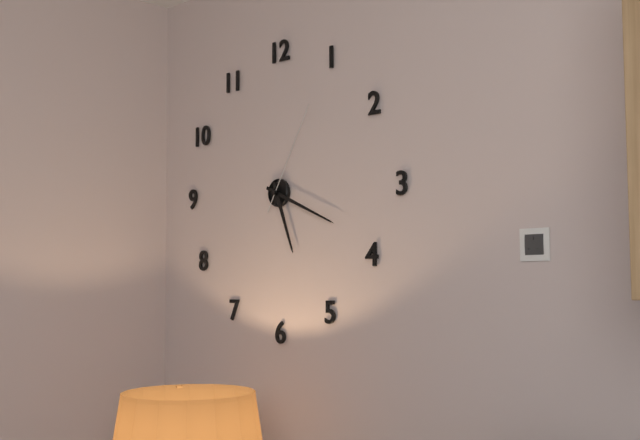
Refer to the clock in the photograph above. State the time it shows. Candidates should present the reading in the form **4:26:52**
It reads **5:19:05**
